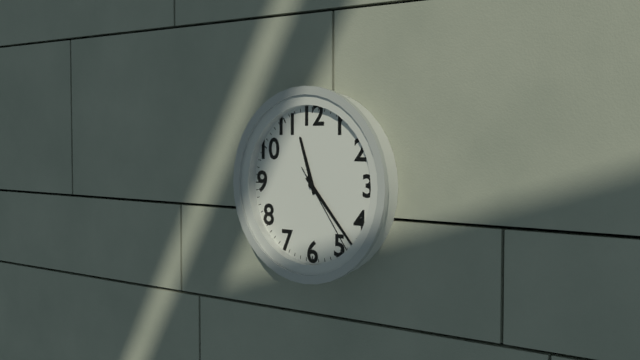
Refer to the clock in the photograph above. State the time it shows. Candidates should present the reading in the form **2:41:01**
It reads **11:23:24**
